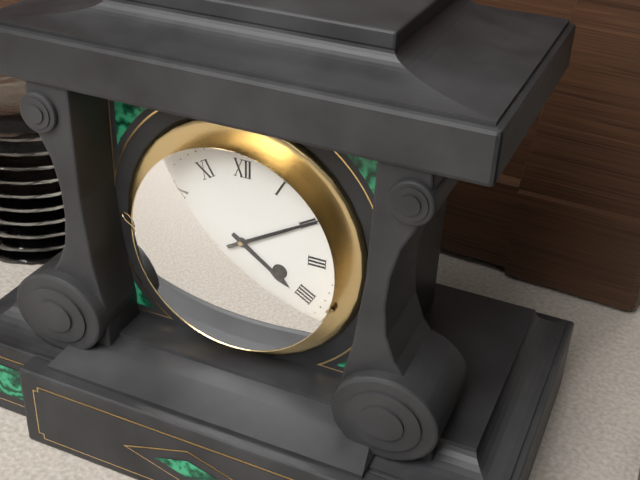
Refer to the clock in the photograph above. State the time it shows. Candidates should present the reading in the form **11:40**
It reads **4:10**
